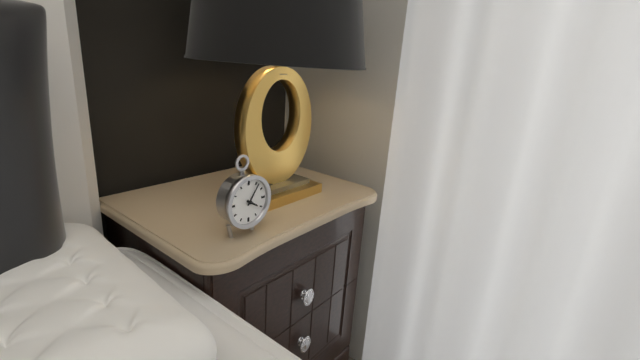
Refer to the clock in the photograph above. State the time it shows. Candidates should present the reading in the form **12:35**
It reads **4:06**
